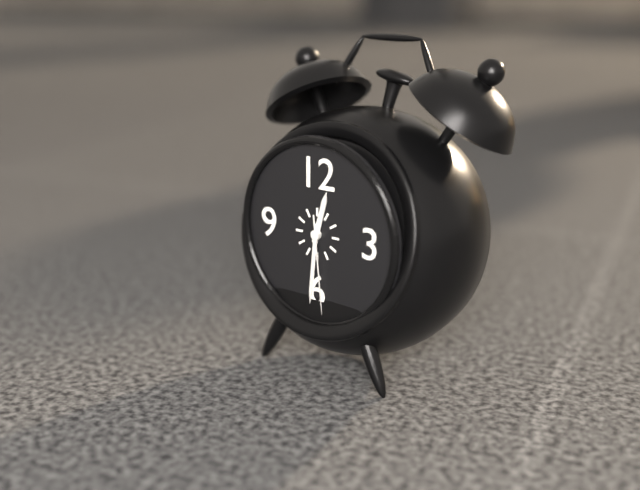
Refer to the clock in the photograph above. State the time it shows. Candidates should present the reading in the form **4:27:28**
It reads **12:31:29**
